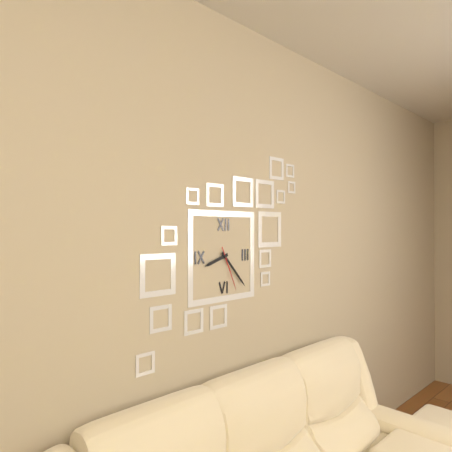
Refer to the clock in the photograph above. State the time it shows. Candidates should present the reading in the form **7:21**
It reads **8:23**
